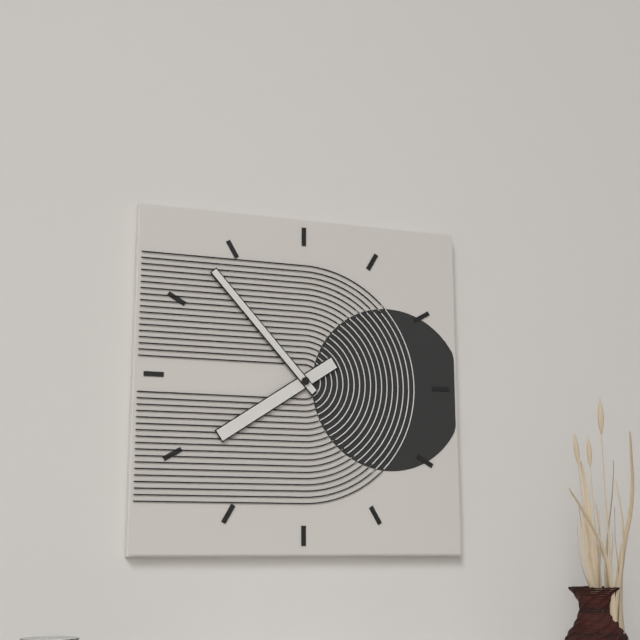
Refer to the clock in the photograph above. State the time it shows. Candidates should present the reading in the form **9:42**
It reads **7:53**
